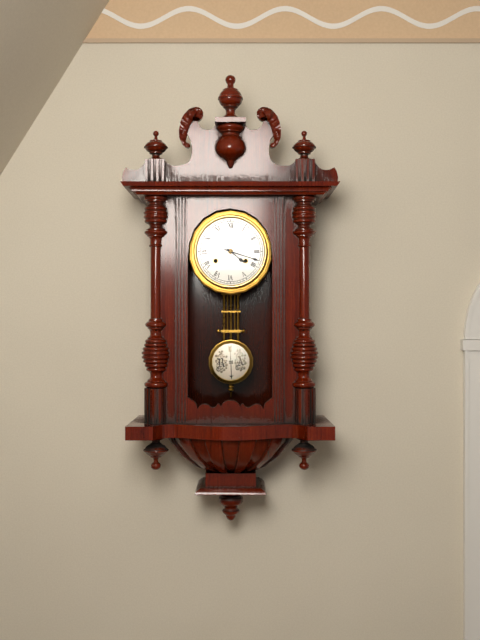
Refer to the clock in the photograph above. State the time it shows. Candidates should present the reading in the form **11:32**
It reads **4:18**
